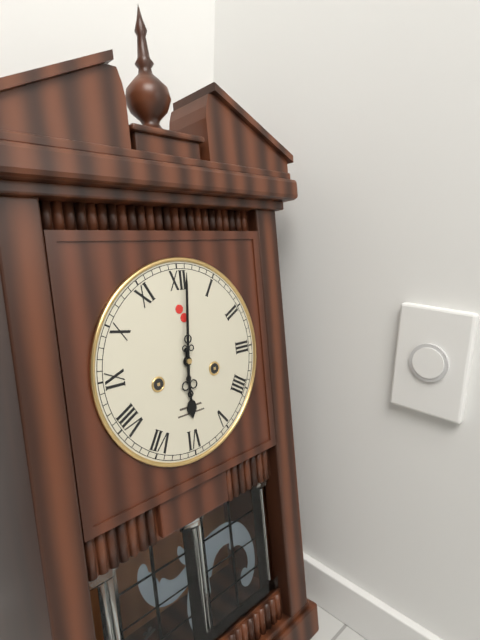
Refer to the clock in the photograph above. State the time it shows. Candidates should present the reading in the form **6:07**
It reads **6:01**
